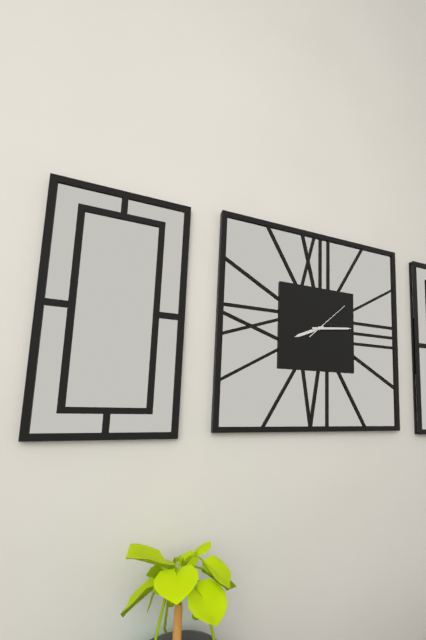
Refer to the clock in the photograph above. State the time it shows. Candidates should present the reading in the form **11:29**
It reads **8:14**
